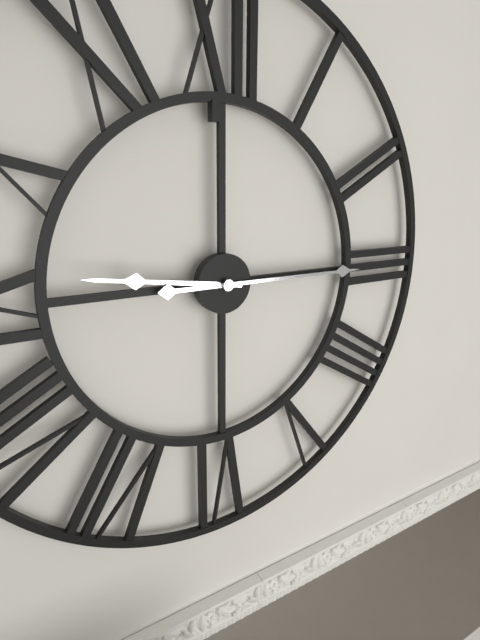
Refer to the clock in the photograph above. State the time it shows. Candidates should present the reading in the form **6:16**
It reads **9:15**
